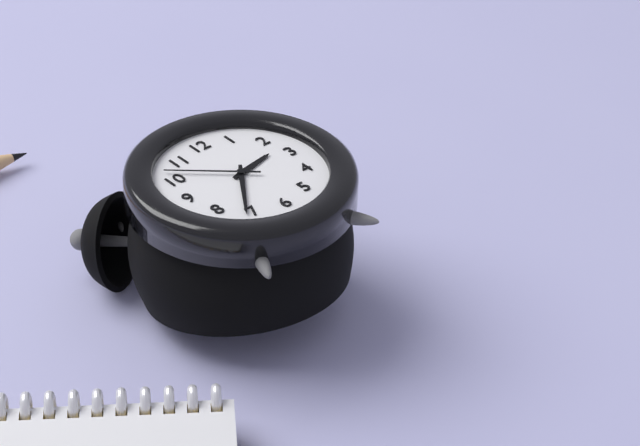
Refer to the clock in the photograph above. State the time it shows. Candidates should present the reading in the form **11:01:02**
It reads **2:36:52**
